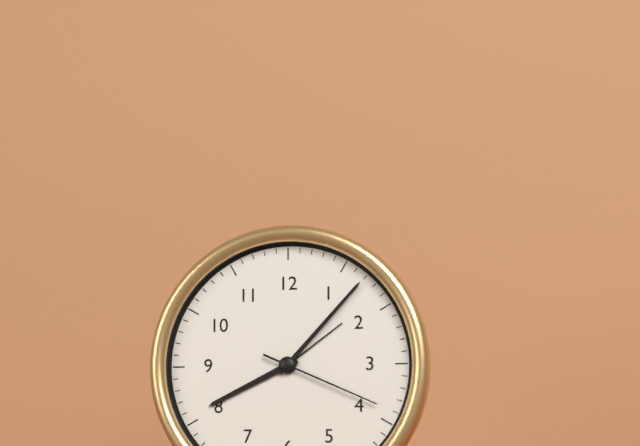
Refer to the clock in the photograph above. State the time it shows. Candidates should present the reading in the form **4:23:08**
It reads **8:07:19**
